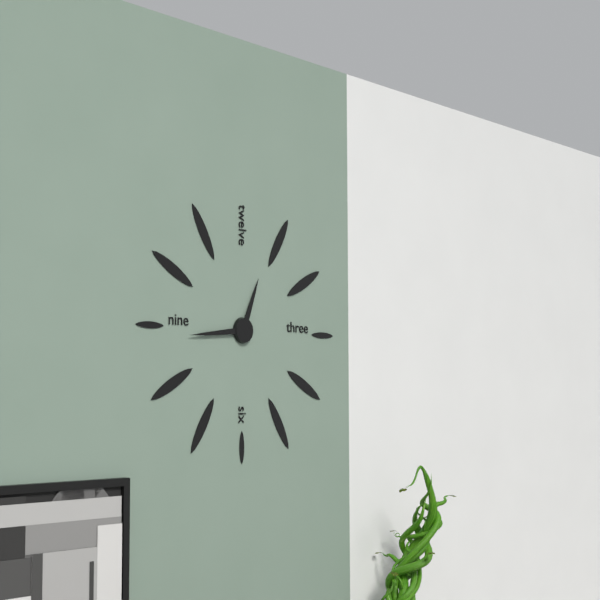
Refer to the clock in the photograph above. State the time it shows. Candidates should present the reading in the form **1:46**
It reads **12:44**
